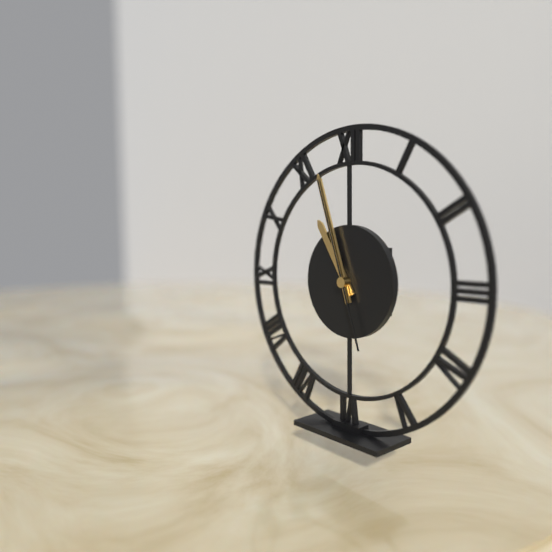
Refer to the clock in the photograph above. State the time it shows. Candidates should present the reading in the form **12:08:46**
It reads **10:57:57**
